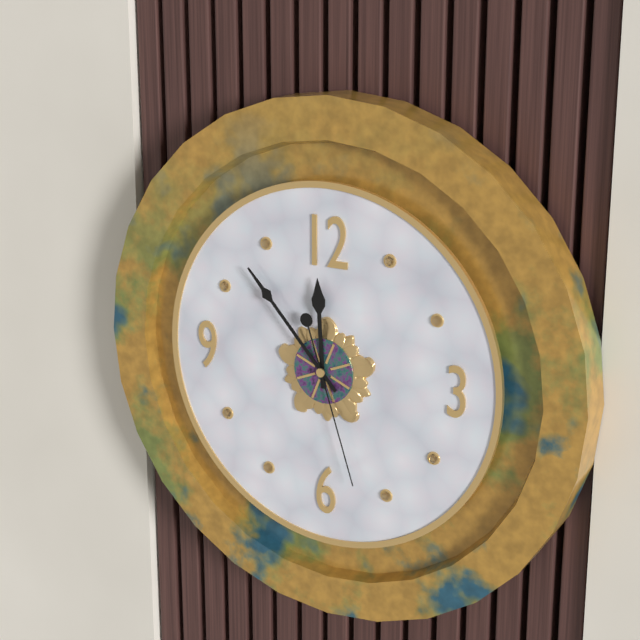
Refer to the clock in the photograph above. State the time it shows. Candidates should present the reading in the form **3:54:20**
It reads **11:53:27**
